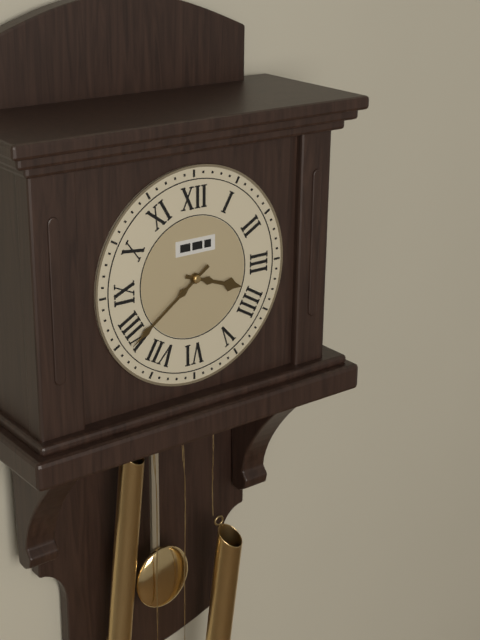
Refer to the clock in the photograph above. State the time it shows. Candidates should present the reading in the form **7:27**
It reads **3:39**
